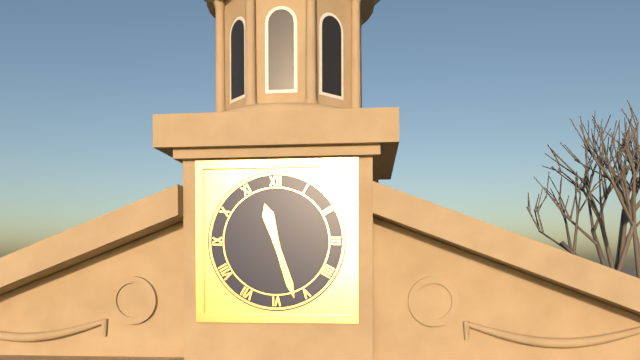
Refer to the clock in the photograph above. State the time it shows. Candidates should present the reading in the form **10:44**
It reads **11:27**
